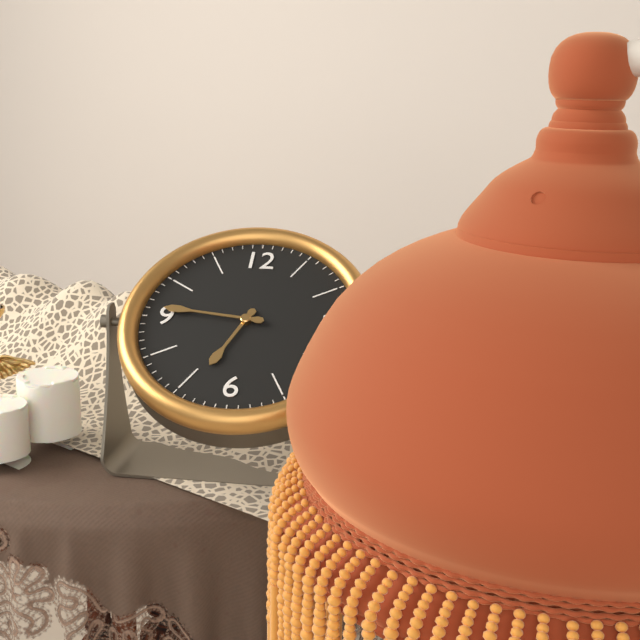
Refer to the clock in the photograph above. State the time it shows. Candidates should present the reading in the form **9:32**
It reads **6:46**
